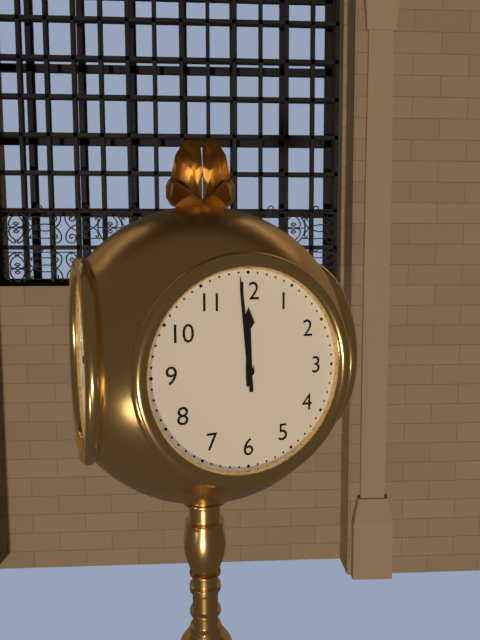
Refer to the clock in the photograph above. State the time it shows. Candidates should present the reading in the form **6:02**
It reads **11:59**
